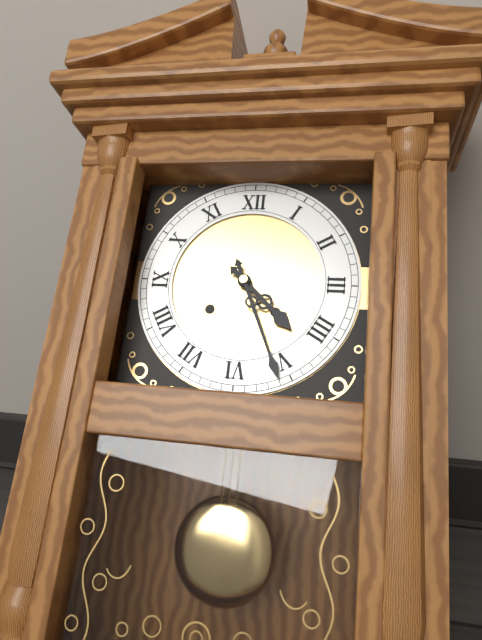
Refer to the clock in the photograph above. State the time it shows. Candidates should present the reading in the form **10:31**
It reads **4:26**
